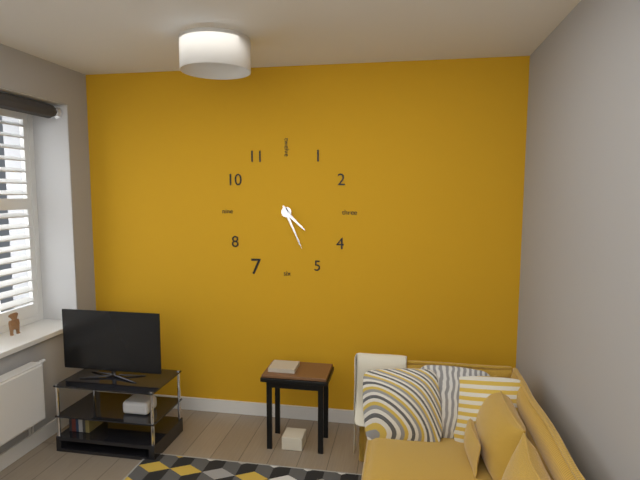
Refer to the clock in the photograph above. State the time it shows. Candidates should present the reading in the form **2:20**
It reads **4:26**
